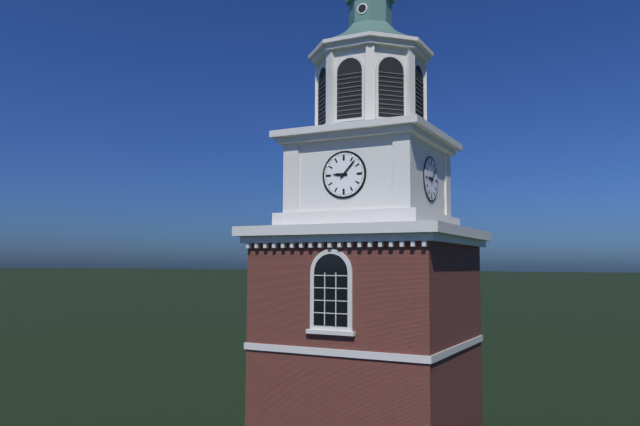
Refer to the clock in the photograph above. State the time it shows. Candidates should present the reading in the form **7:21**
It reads **9:07**
